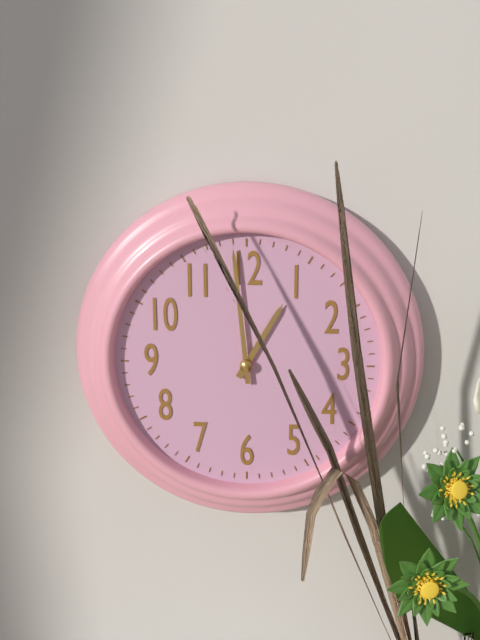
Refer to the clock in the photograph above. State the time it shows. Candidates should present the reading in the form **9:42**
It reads **12:59**
